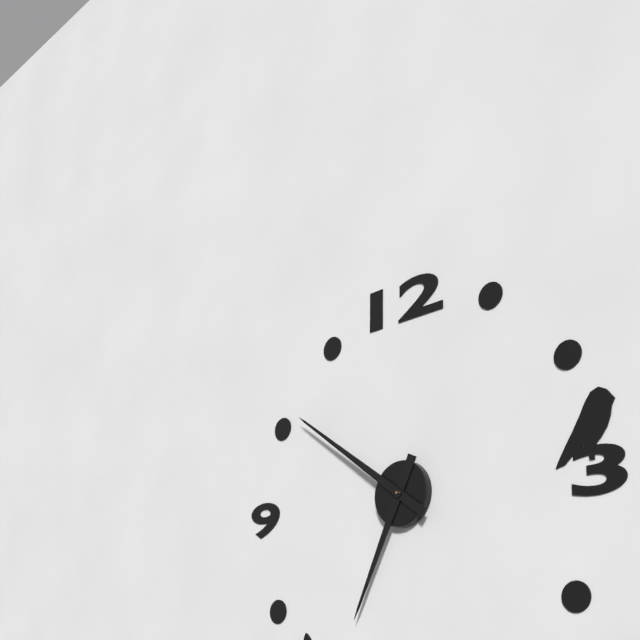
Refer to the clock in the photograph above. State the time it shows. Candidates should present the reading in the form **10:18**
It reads **6:51**
